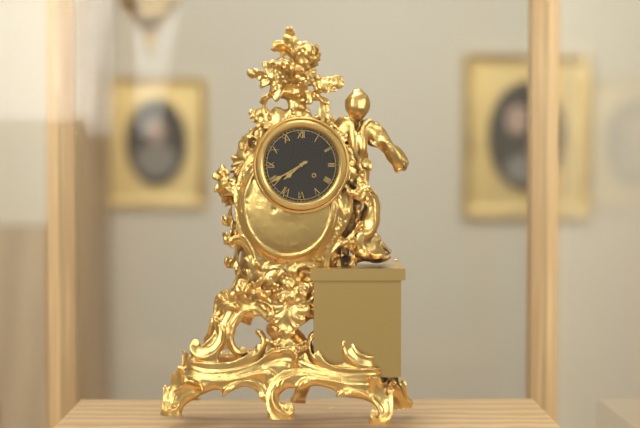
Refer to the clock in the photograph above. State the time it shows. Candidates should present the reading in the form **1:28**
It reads **7:40**
